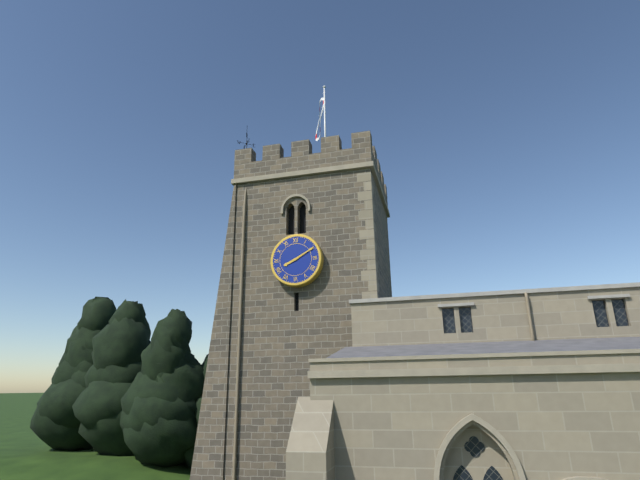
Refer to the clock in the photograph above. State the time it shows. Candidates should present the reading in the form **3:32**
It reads **8:10**
